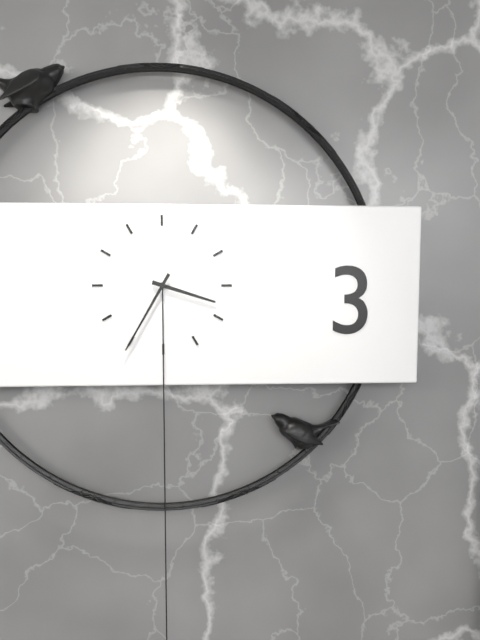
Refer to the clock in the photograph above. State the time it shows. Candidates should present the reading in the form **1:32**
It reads **3:35**
